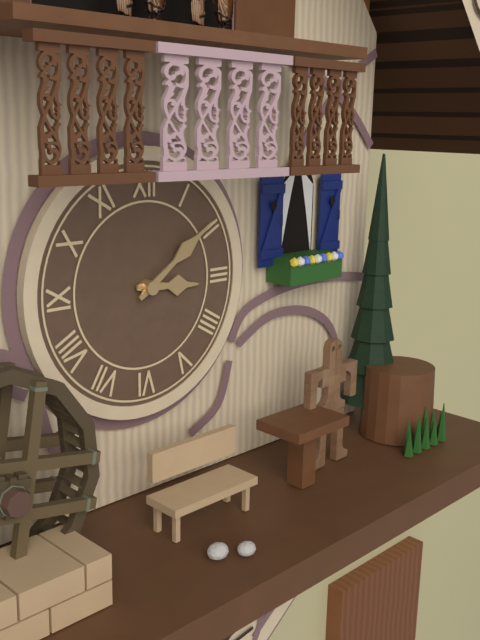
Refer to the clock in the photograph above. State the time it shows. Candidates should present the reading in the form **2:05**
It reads **3:09**
